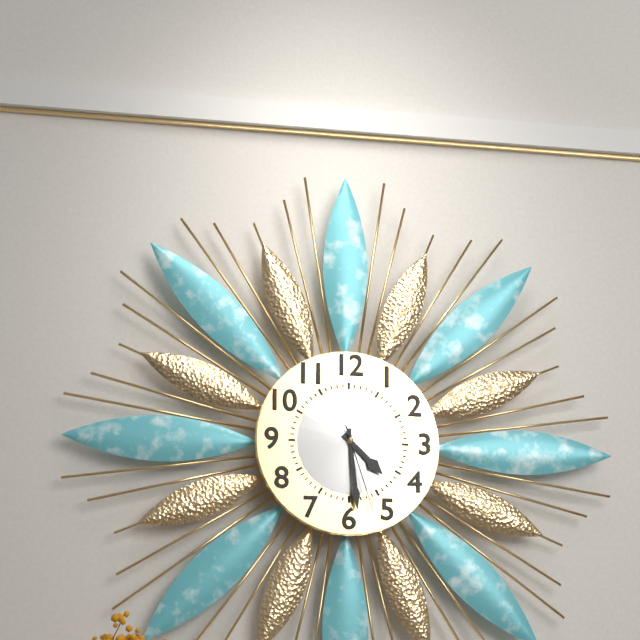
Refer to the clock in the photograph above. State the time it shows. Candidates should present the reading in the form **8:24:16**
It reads **4:29:27**
